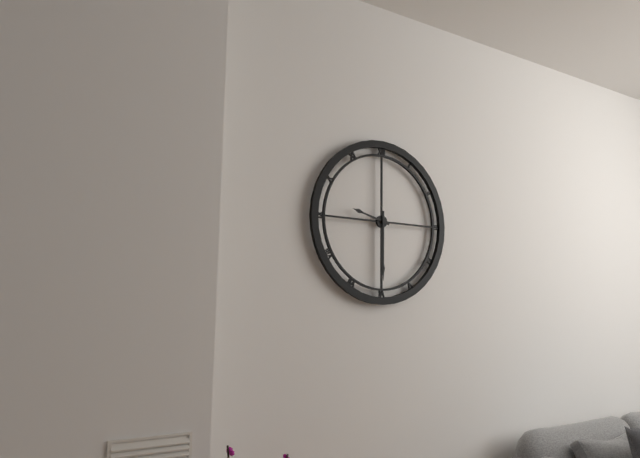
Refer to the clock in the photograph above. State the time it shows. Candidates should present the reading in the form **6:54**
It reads **9:30**
